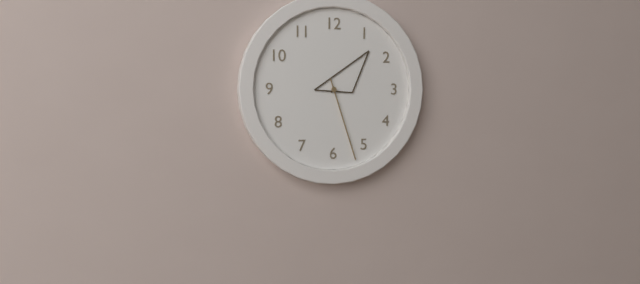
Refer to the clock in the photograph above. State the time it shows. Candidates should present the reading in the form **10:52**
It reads **1:27**
